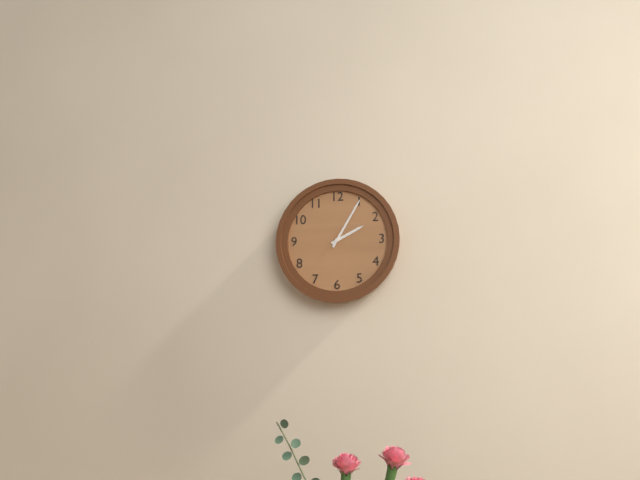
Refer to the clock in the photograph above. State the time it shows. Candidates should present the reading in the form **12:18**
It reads **2:05**
